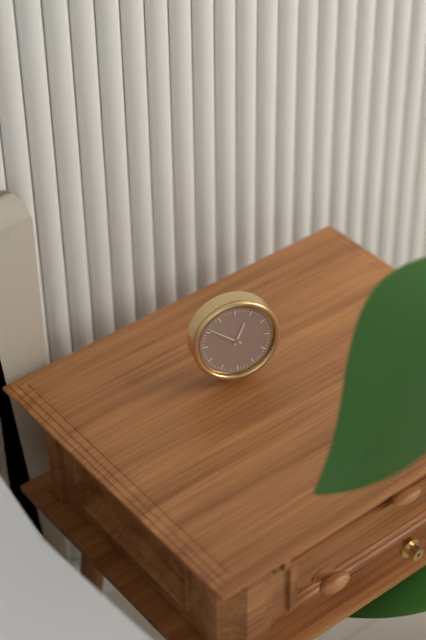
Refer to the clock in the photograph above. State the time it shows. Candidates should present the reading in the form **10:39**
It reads **12:51**
